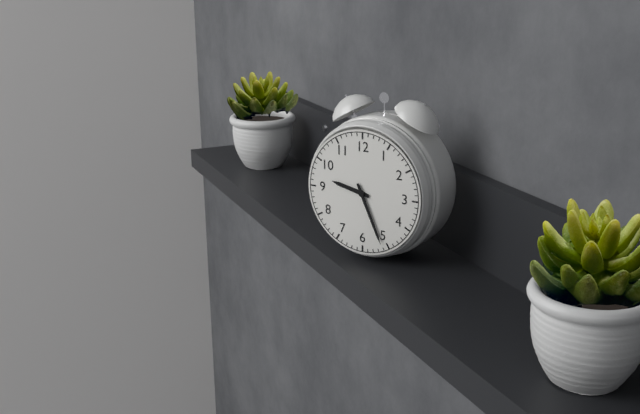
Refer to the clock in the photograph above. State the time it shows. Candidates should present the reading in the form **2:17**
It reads **9:26**
